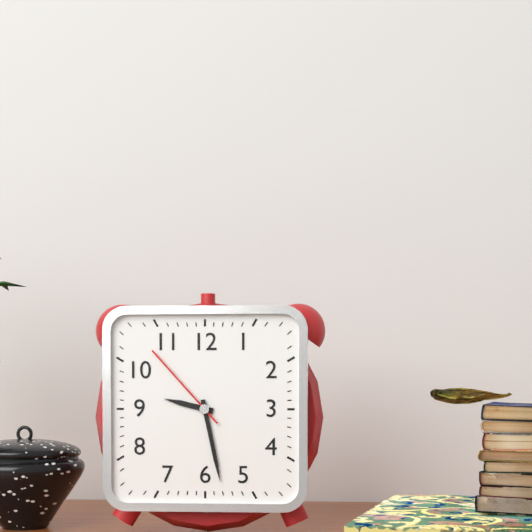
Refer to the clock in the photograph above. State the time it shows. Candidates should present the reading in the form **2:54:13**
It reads **9:28:53**
